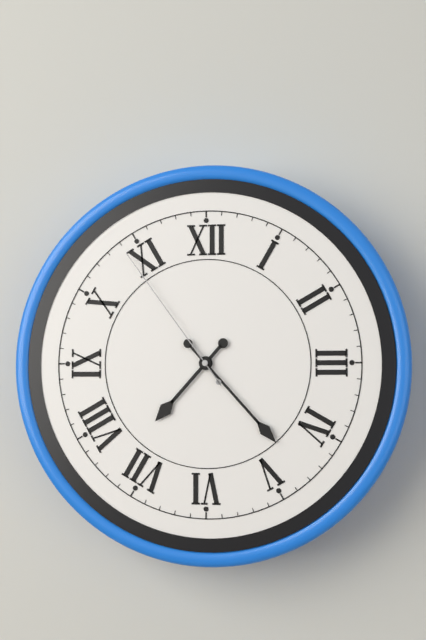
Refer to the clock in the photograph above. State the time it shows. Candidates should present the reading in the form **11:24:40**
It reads **7:23:54**
